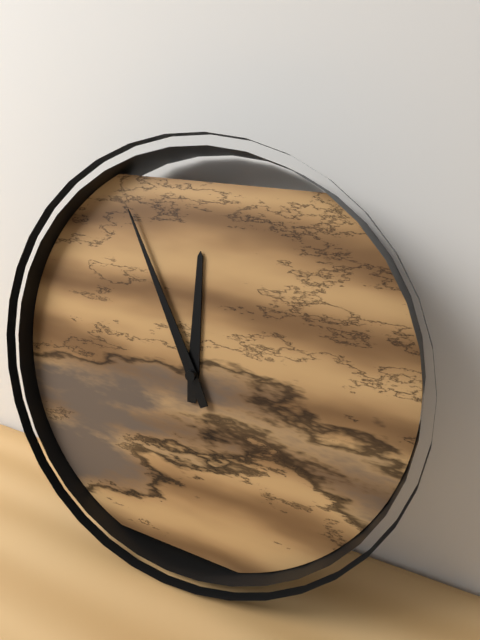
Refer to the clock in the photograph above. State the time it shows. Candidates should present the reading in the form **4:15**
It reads **11:55**
